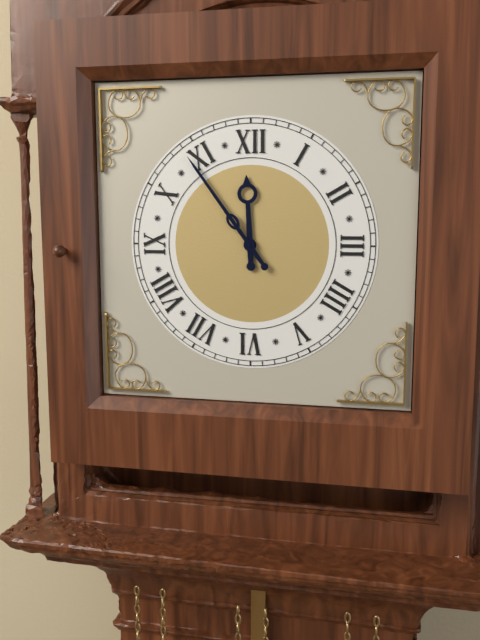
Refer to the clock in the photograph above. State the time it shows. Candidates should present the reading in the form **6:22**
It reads **11:54**
